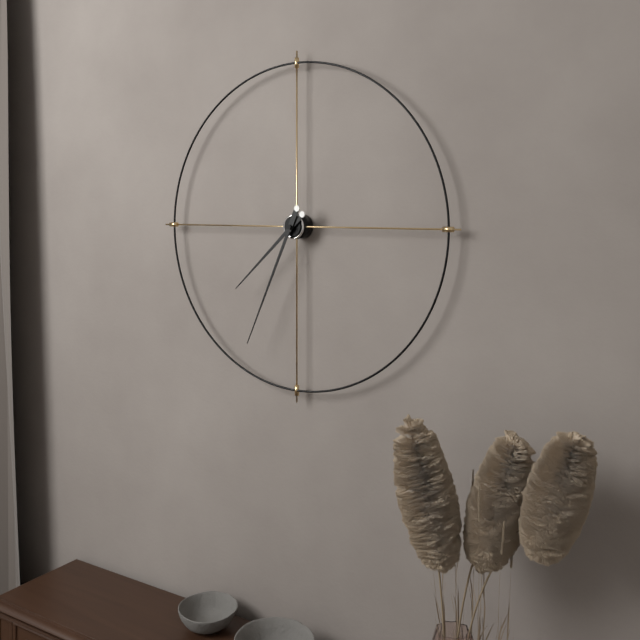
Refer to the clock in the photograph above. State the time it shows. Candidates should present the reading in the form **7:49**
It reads **7:34**
